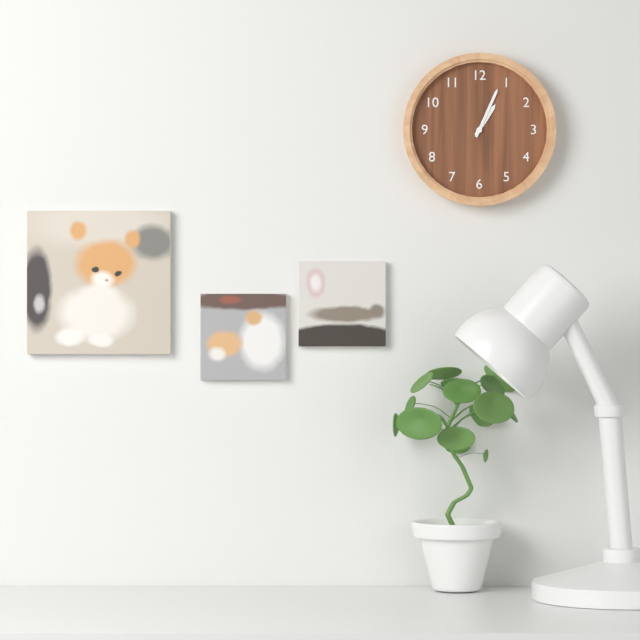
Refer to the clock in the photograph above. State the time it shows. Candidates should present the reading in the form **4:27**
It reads **1:04**
